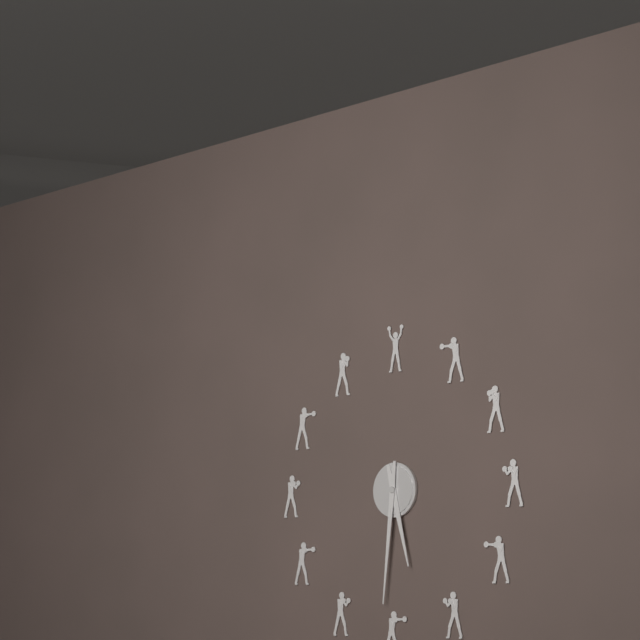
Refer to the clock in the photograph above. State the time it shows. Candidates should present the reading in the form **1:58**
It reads **5:31**
